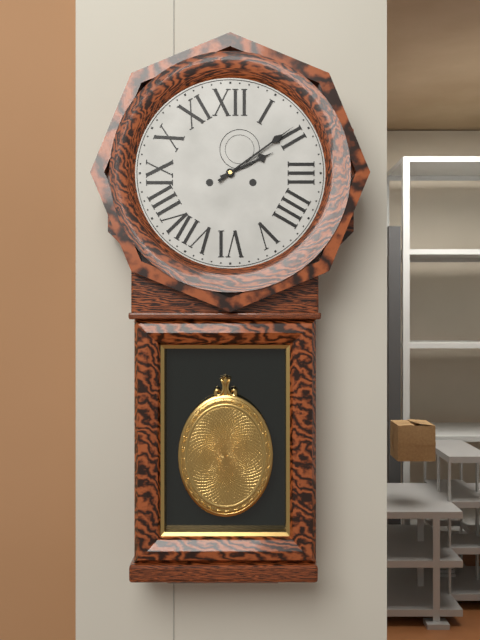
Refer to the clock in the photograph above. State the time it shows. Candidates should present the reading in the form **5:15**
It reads **2:09**
